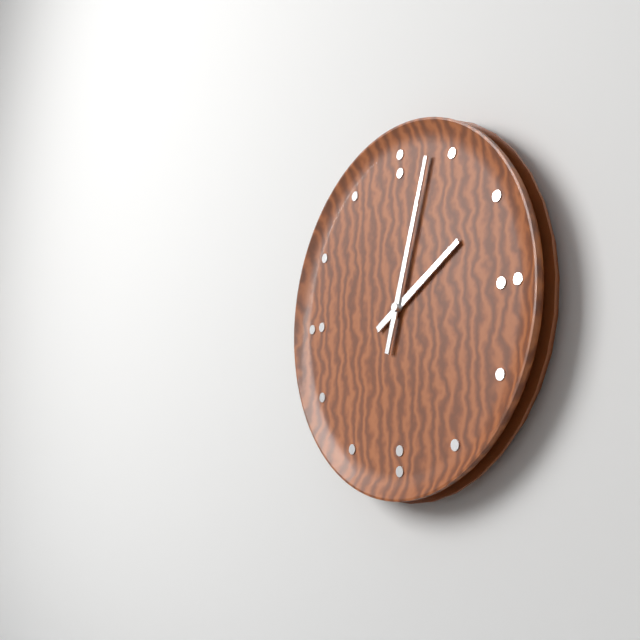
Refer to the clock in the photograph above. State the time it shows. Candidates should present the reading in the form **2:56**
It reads **2:03**
